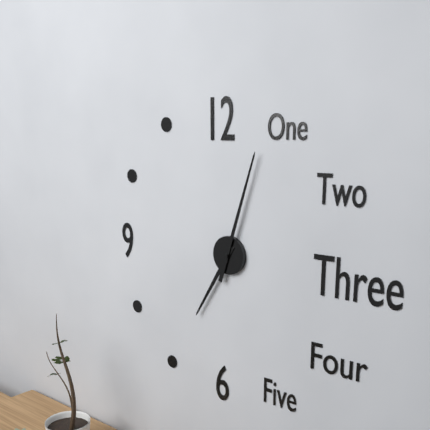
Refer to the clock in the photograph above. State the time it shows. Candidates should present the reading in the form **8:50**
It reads **7:03**
